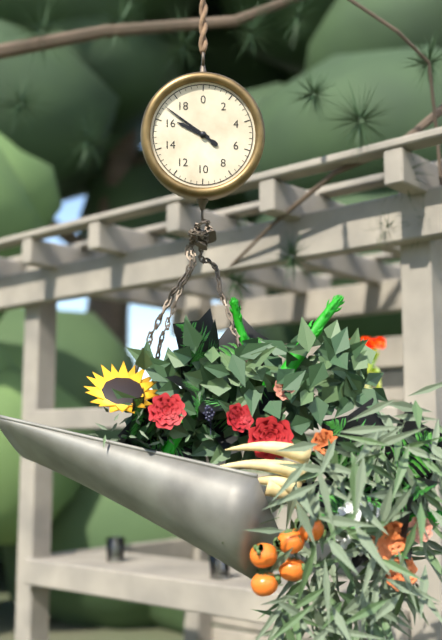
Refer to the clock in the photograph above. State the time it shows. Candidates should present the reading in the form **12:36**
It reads **9:51**
